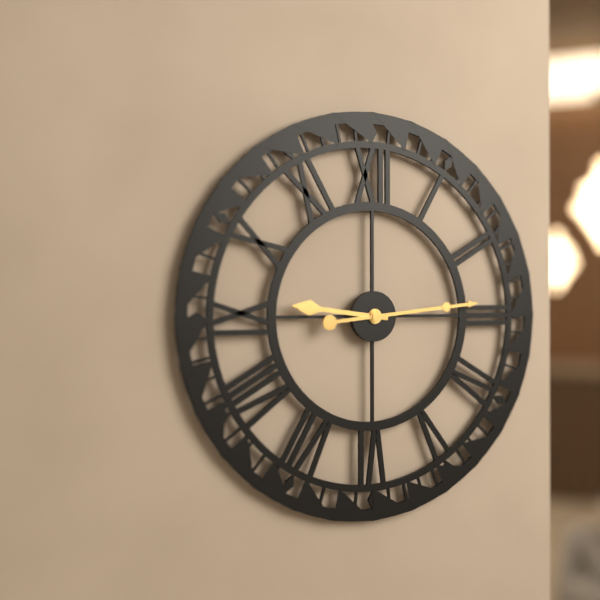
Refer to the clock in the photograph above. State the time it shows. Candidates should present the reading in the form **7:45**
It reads **9:14**
